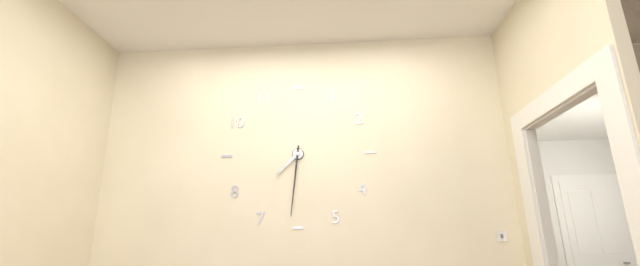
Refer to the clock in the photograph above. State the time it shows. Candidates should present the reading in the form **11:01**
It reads **7:31**
